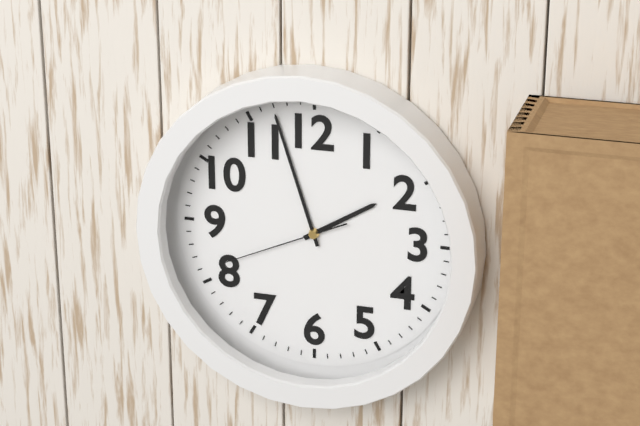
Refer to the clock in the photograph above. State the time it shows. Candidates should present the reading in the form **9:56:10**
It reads **1:57:41**
